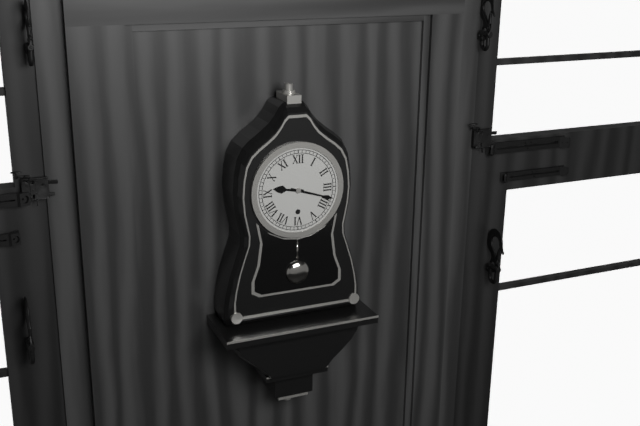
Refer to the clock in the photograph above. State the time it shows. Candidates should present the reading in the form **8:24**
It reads **9:18**
